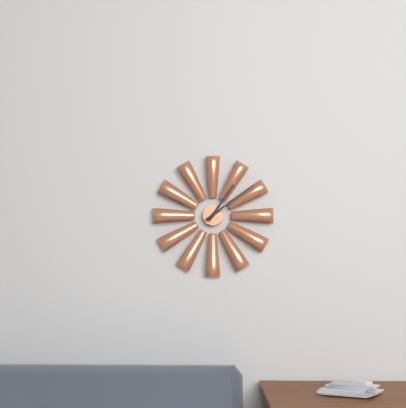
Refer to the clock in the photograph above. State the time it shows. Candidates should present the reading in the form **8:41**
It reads **1:09**
